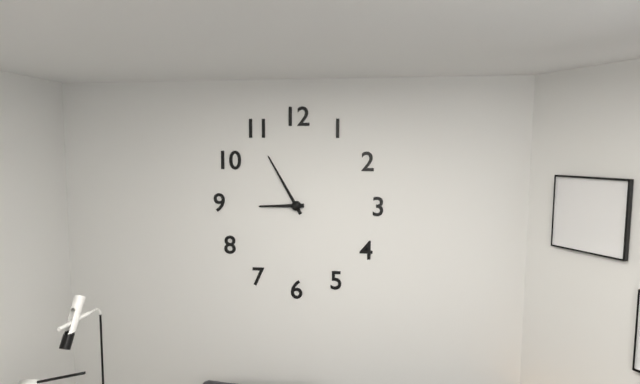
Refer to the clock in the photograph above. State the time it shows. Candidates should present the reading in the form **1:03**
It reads **8:55**
